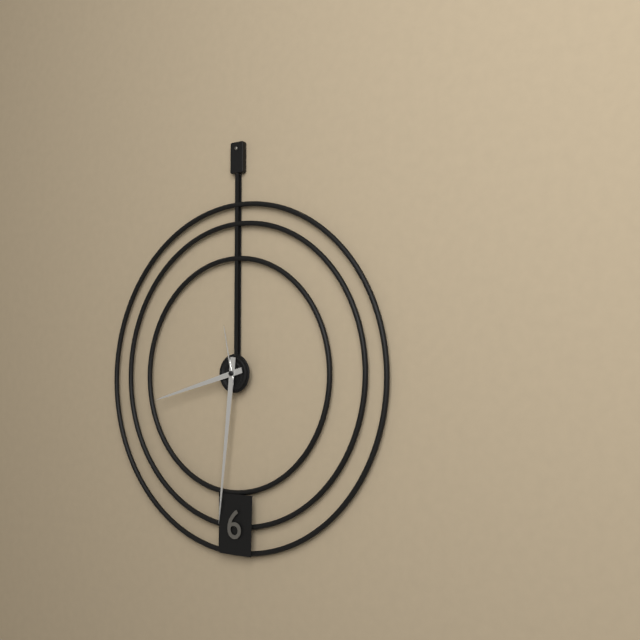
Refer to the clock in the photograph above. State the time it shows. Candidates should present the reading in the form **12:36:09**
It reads **8:31:58**
